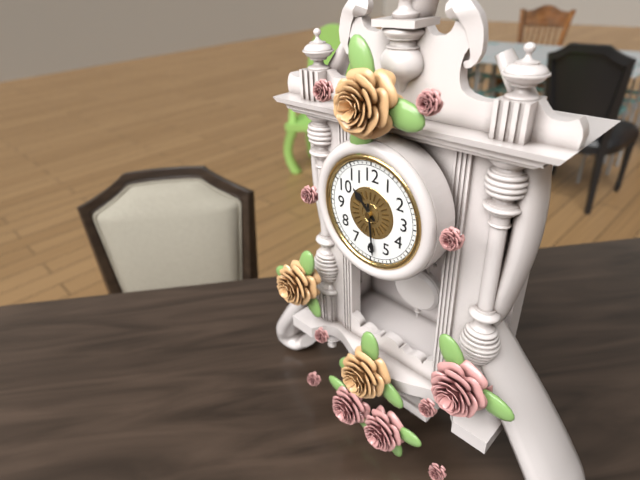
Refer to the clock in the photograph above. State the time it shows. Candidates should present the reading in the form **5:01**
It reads **10:29**
